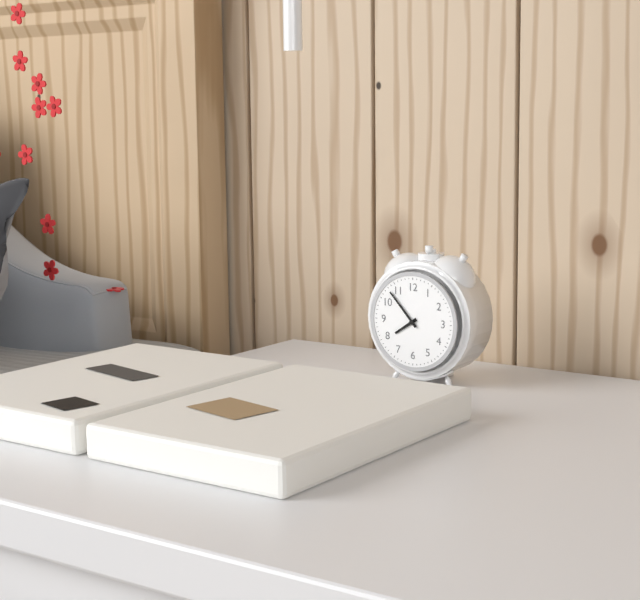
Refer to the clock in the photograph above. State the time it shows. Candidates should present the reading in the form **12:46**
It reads **7:53**
